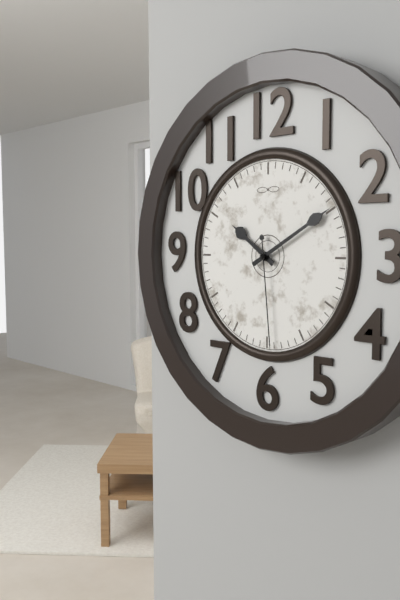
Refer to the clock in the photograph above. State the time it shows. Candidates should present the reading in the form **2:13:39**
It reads **10:10:29**
